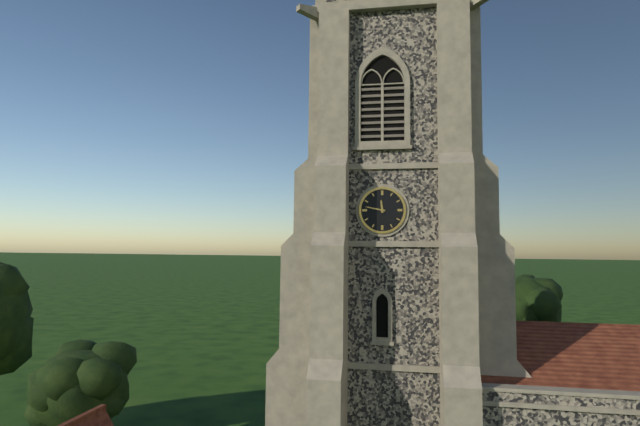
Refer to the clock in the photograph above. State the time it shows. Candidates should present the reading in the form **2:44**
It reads **11:47**
